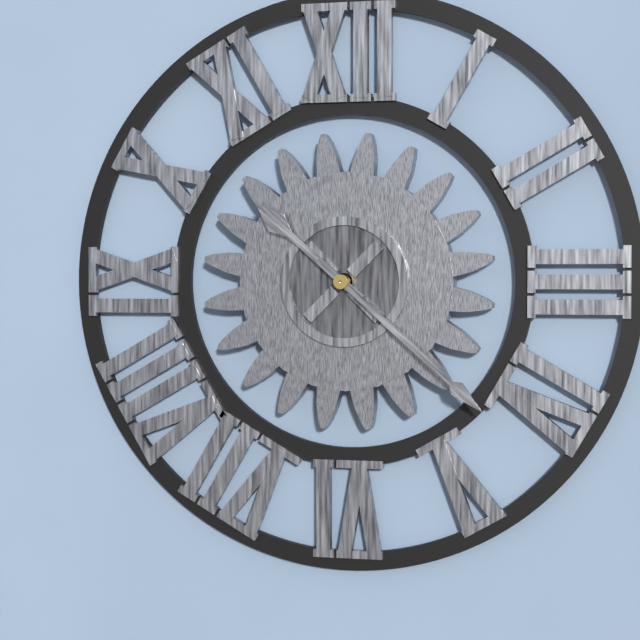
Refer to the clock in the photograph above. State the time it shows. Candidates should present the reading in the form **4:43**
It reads **10:22**
